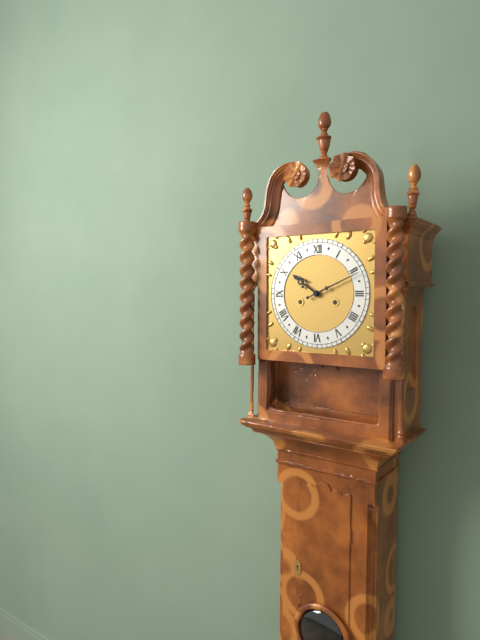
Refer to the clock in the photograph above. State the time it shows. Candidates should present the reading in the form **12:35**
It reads **10:11**
